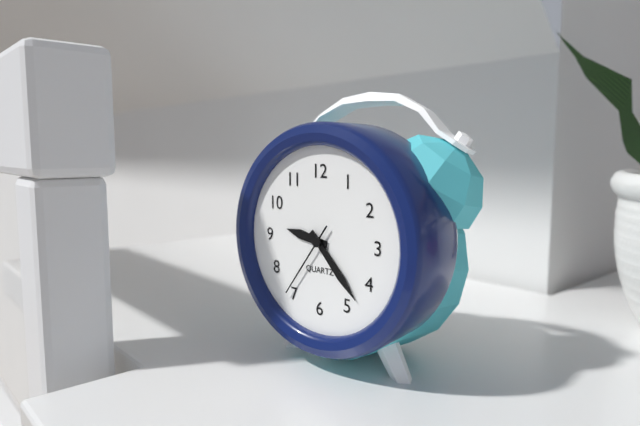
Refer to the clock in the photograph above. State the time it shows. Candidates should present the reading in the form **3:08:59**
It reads **9:23:36**
